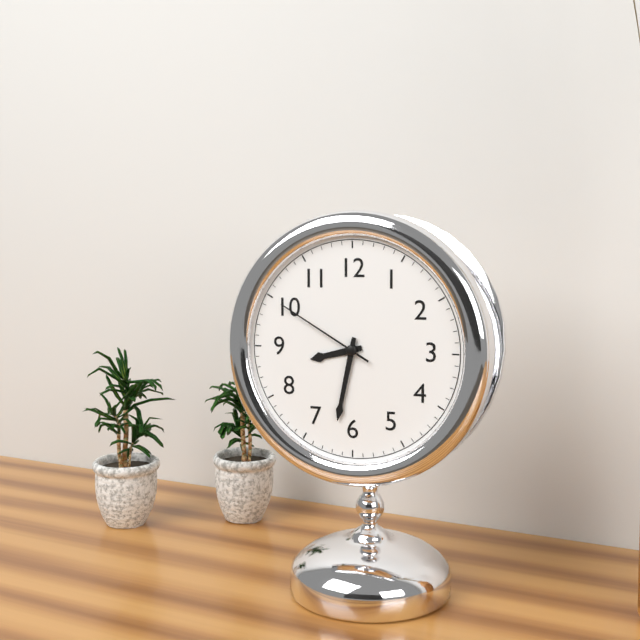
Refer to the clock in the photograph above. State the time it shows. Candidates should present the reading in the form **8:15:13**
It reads **8:32:50**
